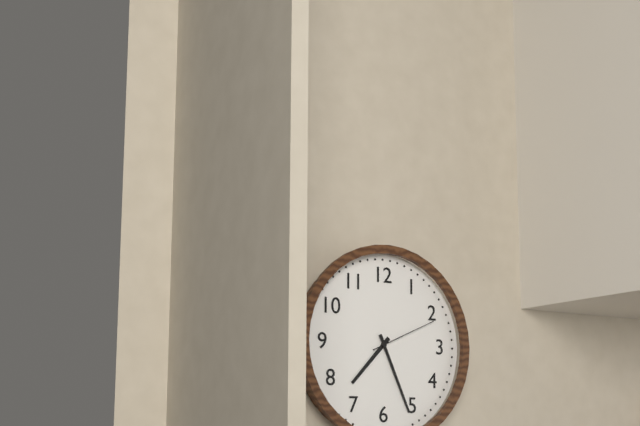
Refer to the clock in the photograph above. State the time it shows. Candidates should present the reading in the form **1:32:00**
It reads **7:26:11**
